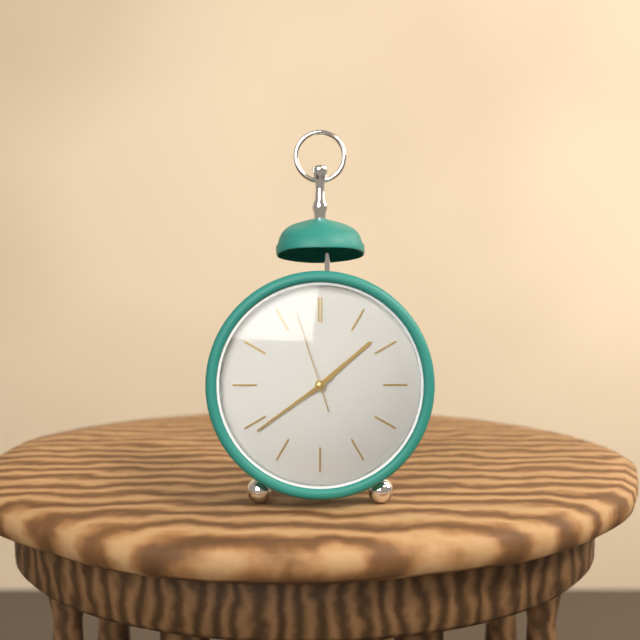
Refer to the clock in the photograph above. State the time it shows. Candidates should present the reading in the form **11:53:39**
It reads **1:39:57**
